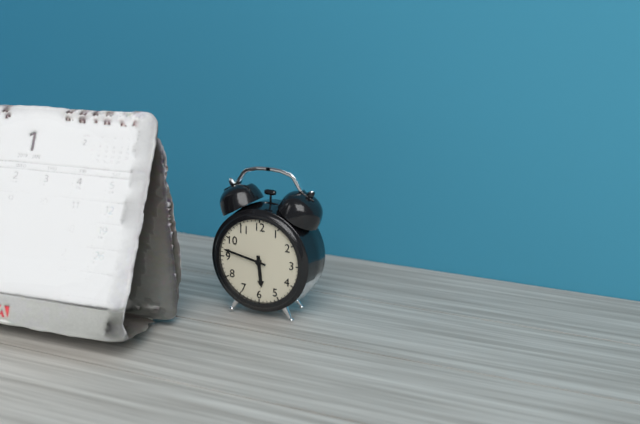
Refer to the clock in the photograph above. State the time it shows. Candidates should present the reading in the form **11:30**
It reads **5:47**
